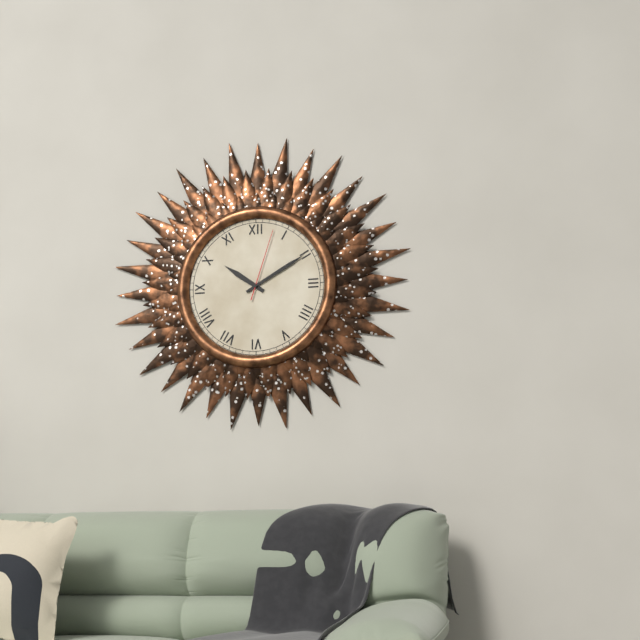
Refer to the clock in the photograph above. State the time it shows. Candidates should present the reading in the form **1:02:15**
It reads **10:10:03**
